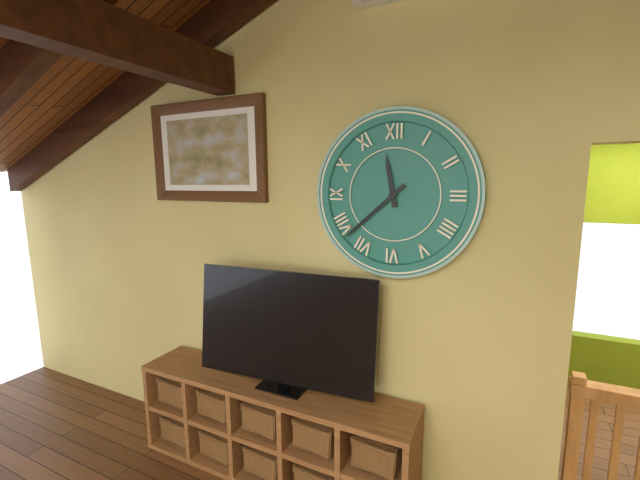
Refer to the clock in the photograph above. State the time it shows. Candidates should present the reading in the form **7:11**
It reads **11:38**
